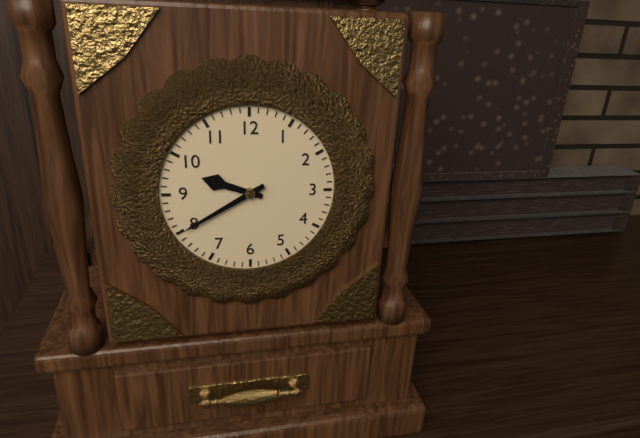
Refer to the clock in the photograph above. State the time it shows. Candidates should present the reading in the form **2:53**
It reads **9:40**
